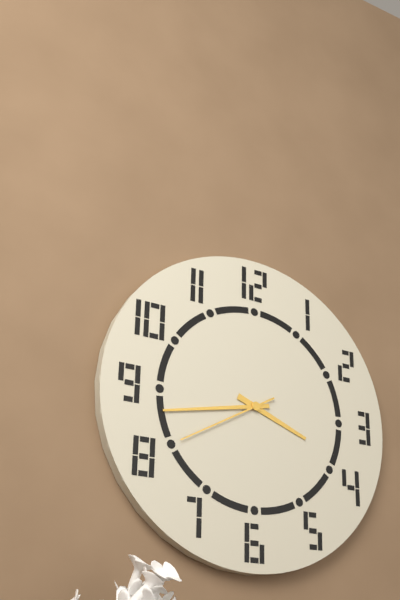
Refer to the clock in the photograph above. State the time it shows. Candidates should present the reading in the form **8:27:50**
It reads **3:43:40**
